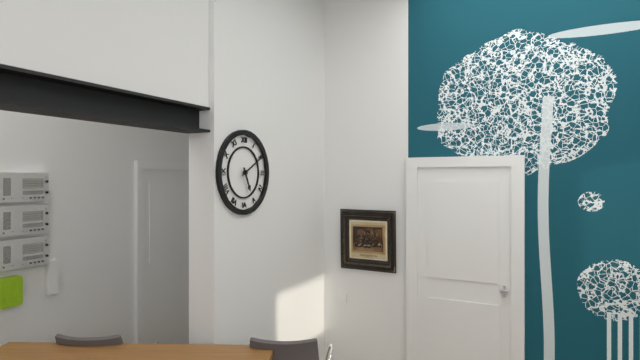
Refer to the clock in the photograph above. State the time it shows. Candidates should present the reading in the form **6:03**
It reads **5:10**
